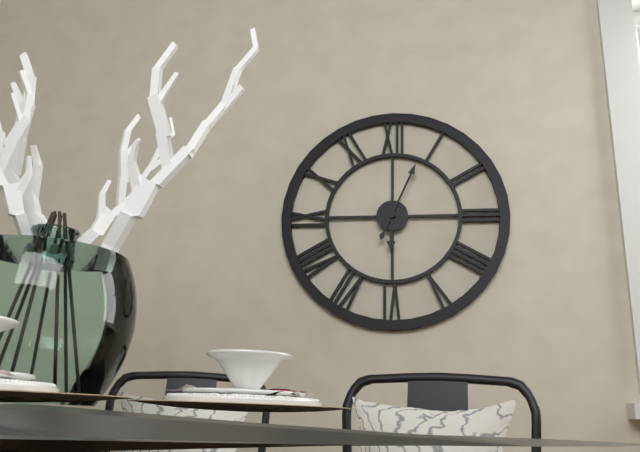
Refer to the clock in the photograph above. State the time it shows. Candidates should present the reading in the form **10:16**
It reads **6:04**
